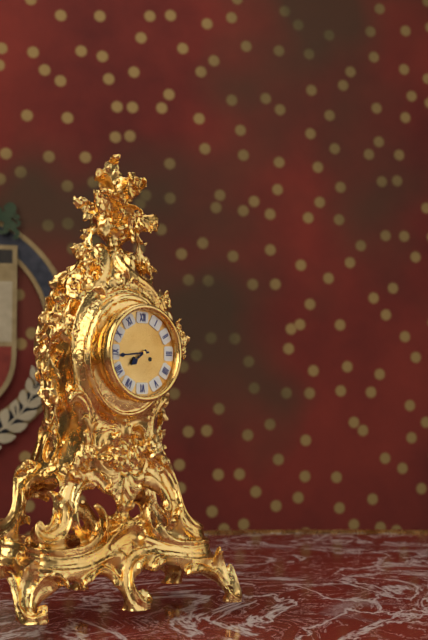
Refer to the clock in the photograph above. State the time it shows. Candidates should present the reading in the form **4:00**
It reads **7:44**
